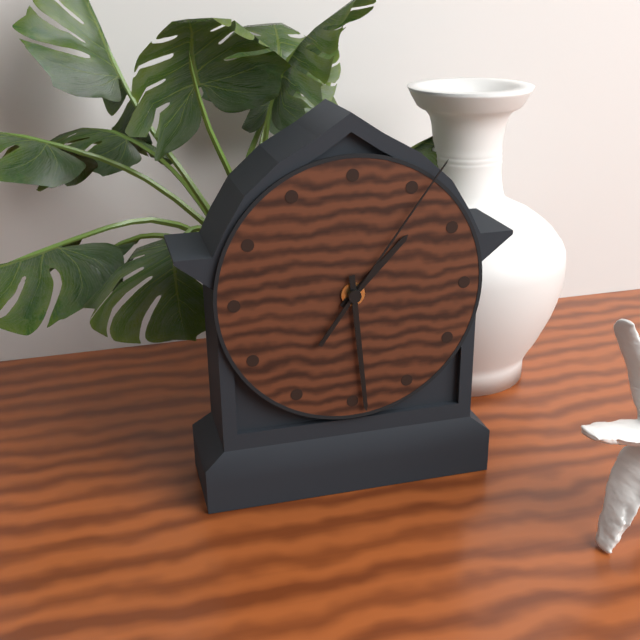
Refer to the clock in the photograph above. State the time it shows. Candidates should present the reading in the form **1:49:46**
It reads **1:29:06**
